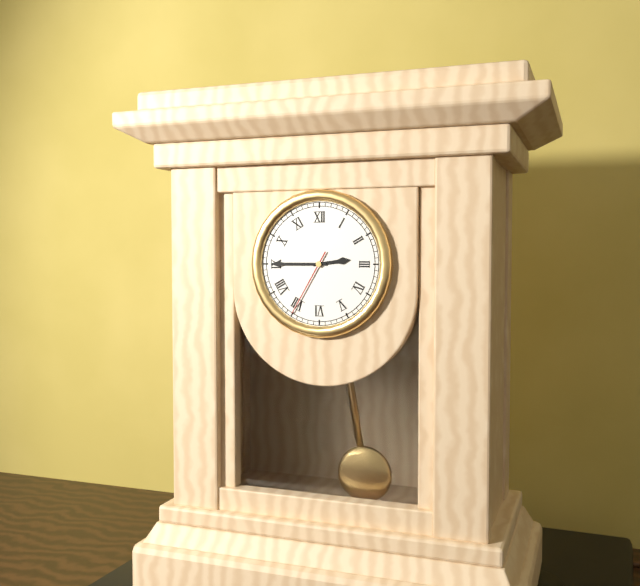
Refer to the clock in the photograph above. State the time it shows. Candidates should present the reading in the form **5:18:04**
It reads **2:45:35**
